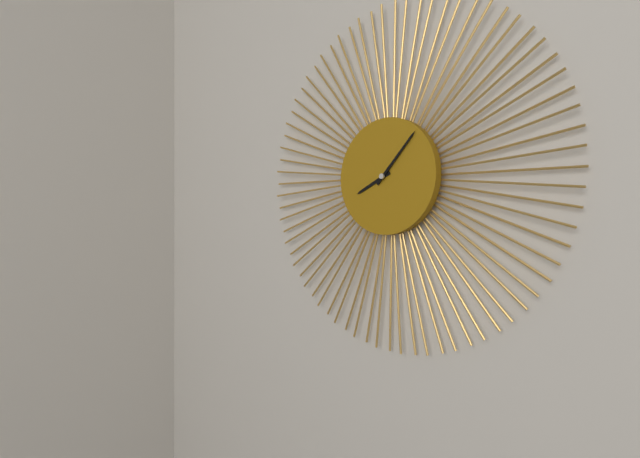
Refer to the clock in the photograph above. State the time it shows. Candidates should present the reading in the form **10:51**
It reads **8:07**
